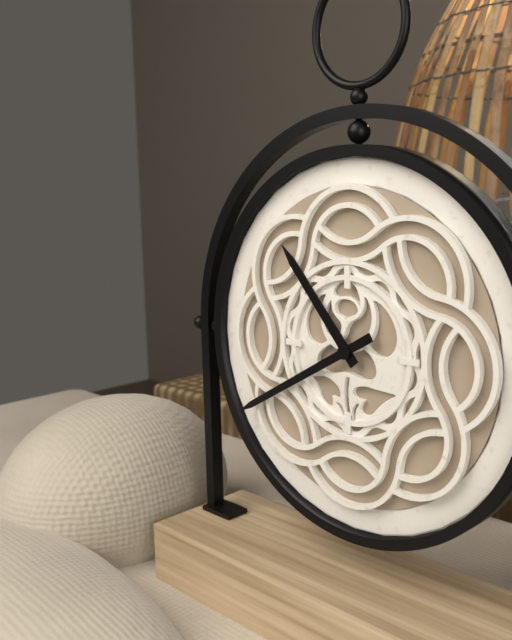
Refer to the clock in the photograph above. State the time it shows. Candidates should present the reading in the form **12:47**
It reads **10:40**
